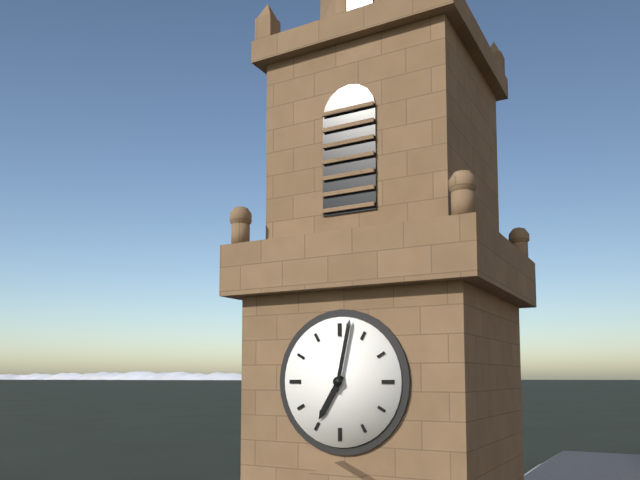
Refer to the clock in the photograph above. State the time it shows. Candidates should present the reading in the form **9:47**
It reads **7:02**
